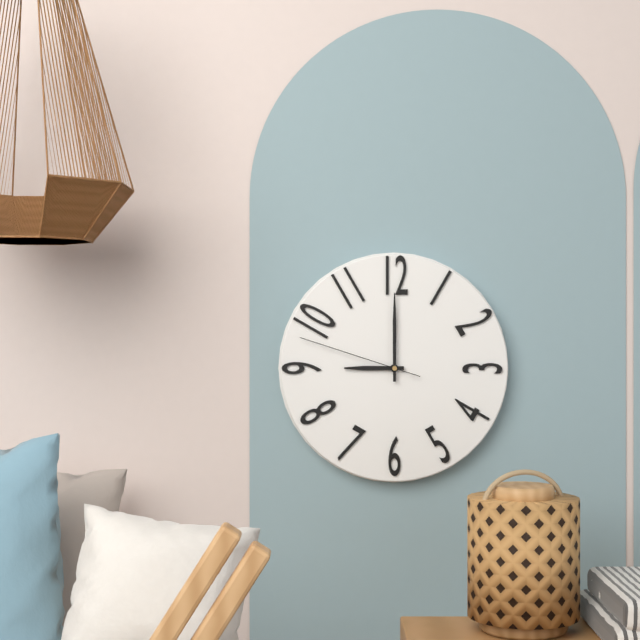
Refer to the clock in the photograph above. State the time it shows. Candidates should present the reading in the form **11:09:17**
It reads **9:00:48**
